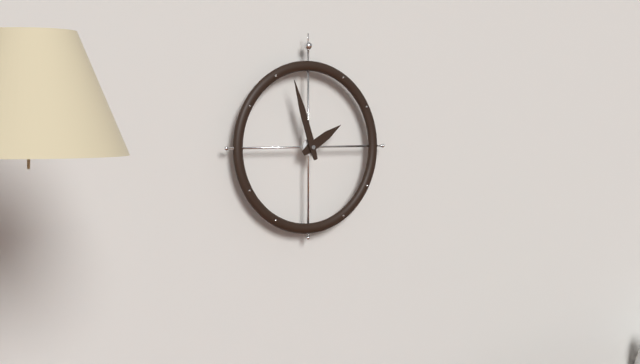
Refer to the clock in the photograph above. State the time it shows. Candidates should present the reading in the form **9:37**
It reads **1:57**
